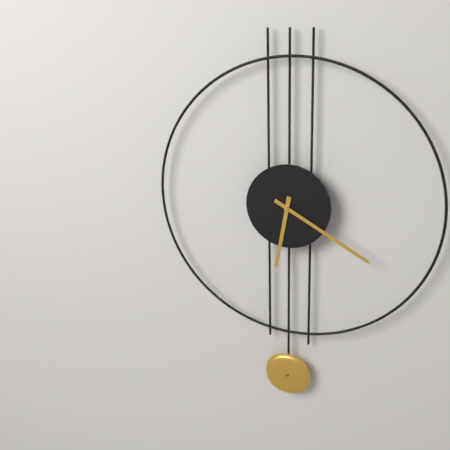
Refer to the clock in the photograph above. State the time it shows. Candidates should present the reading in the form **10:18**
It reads **6:20**
